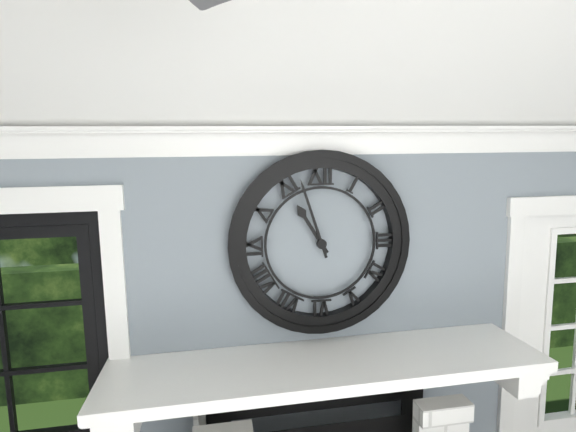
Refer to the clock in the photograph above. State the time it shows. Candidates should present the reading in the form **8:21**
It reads **10:57**
